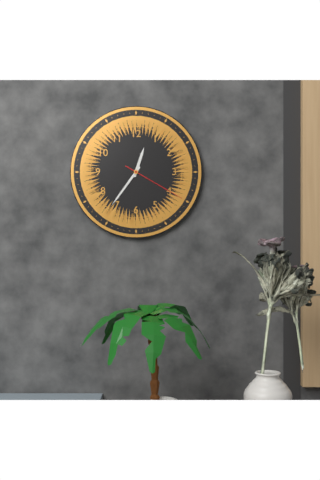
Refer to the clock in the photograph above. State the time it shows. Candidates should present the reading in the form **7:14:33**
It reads **12:36:20**
